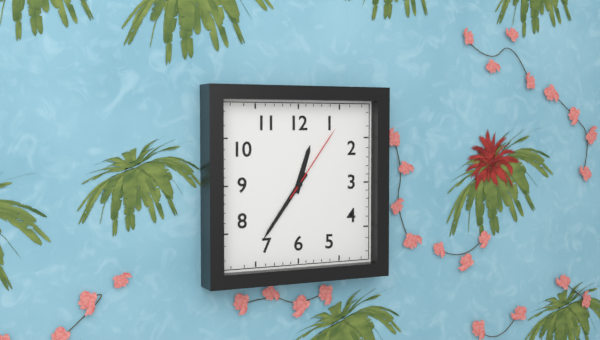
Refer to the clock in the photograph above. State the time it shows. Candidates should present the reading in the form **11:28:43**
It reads **12:36:06**
